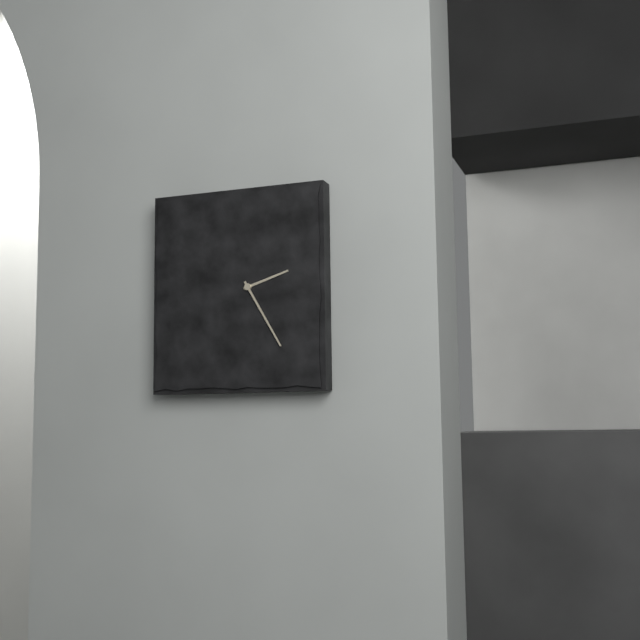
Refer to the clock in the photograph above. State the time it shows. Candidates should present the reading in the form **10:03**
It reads **2:25**
